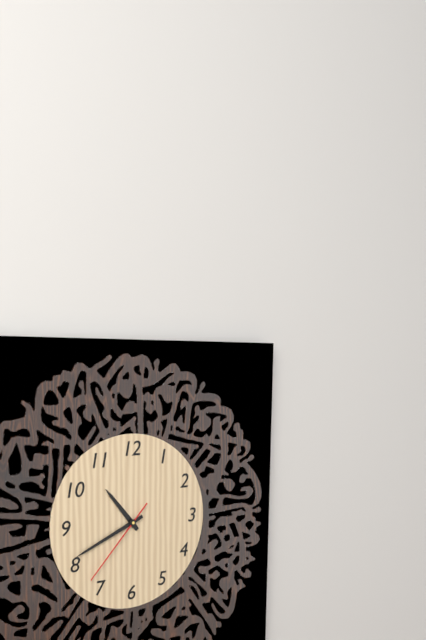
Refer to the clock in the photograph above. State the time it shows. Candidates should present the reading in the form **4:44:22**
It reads **10:41:37**
